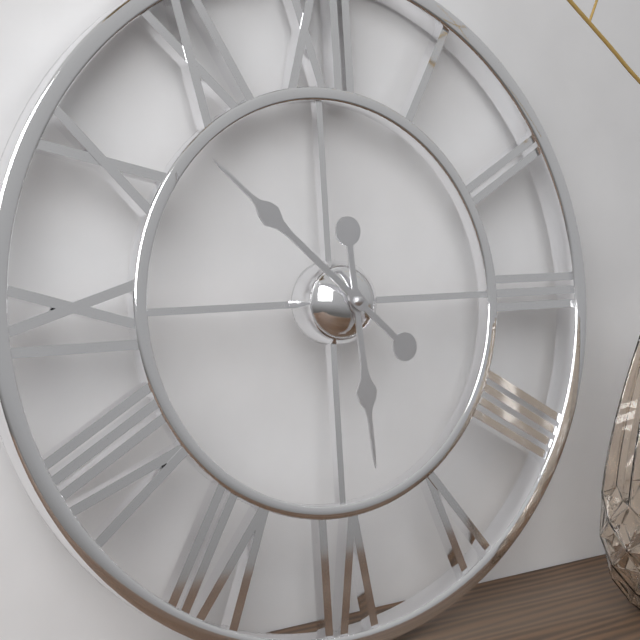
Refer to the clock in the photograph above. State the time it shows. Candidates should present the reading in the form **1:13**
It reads **5:52**
